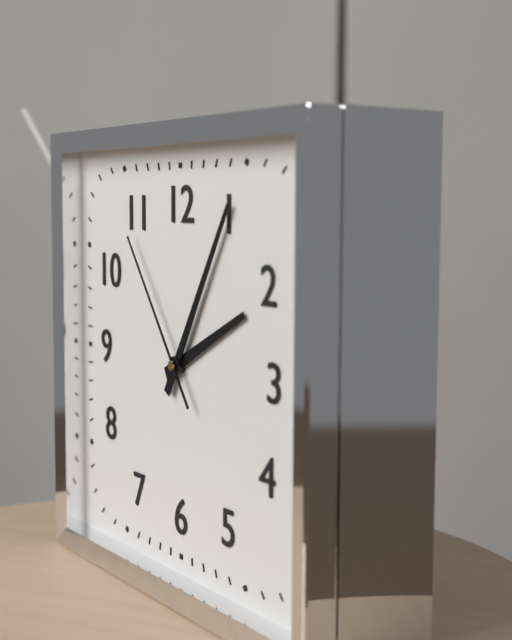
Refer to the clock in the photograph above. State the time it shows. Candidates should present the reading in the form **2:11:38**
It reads **2:05:54**
